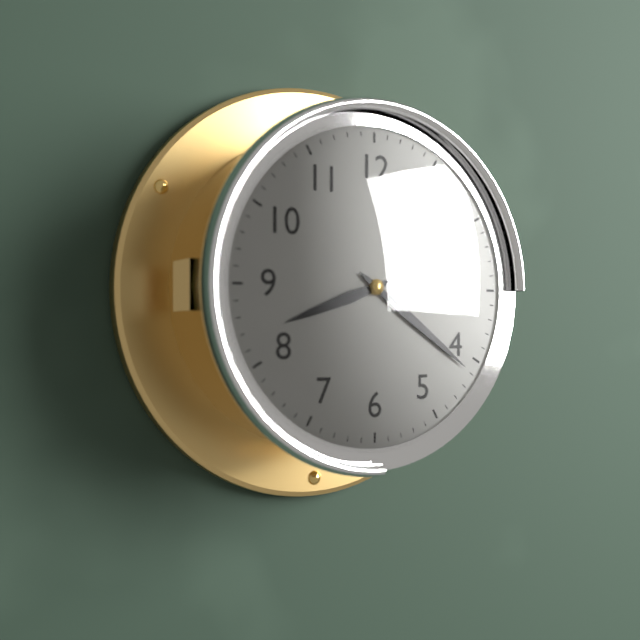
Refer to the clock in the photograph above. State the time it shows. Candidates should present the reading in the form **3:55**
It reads **8:21**
